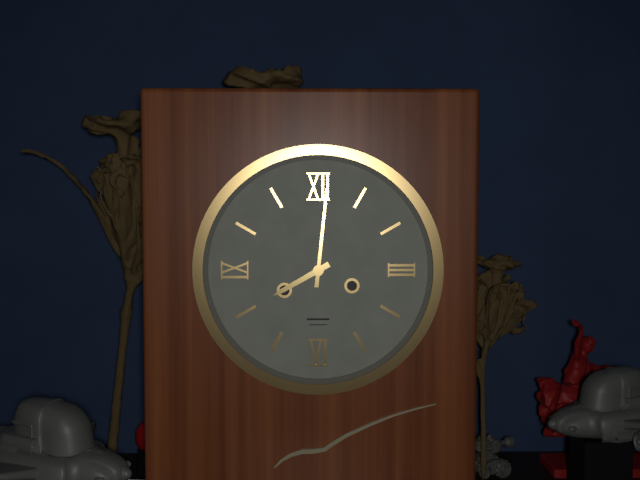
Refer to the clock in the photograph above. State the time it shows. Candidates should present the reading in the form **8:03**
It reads **8:01**
